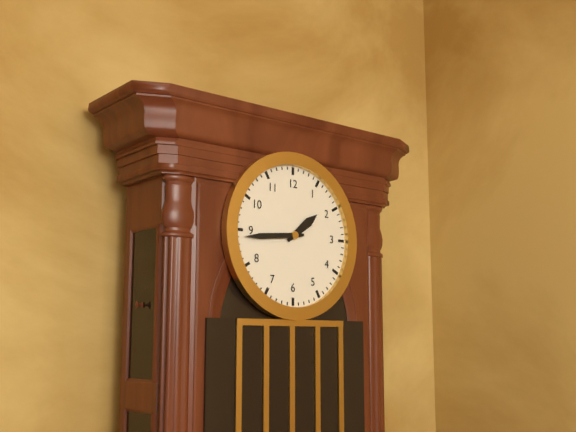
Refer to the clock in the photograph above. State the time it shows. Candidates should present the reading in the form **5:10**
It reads **1:44**
